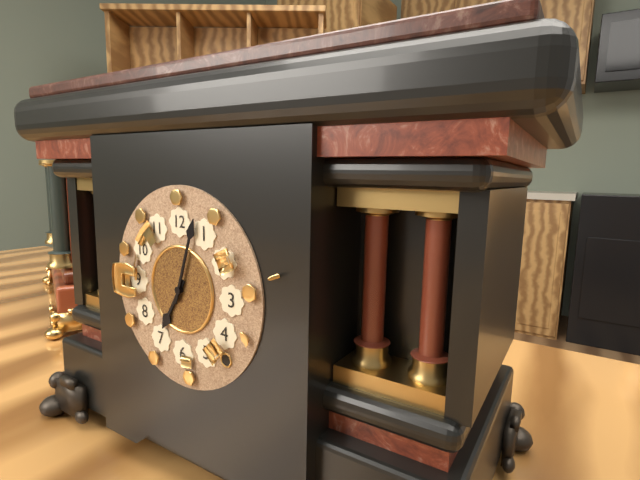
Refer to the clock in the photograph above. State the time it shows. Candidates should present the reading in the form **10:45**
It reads **7:03**
